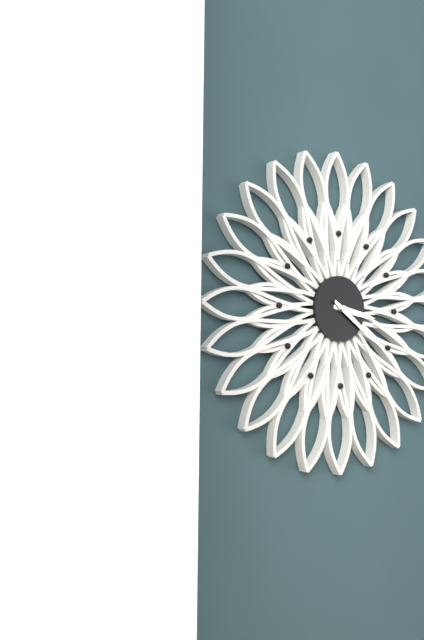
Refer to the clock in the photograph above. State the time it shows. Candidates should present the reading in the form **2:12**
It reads **3:21**
